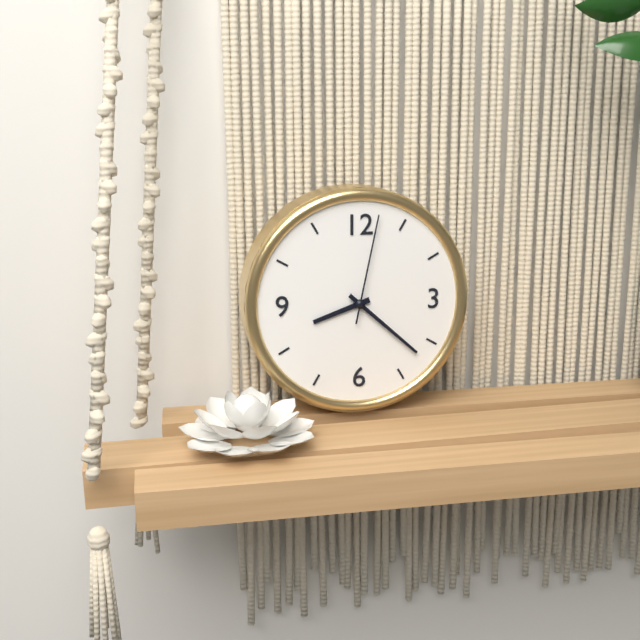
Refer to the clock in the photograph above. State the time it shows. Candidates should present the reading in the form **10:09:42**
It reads **8:22:02**
